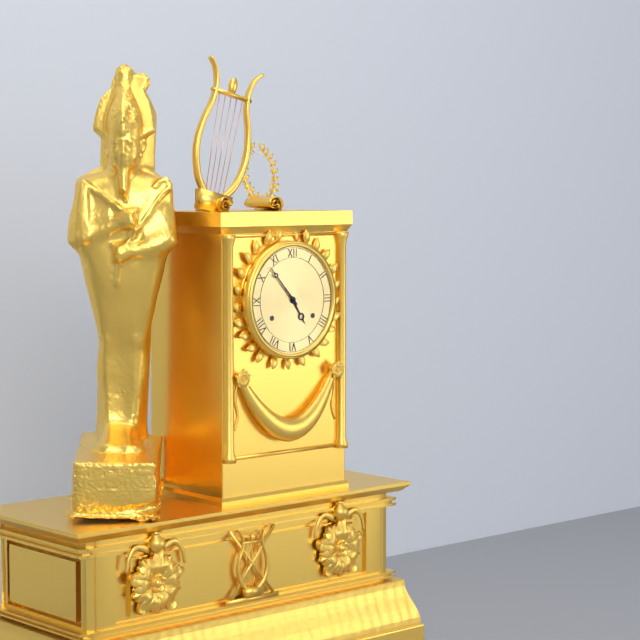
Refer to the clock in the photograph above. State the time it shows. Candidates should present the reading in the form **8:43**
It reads **4:53**
